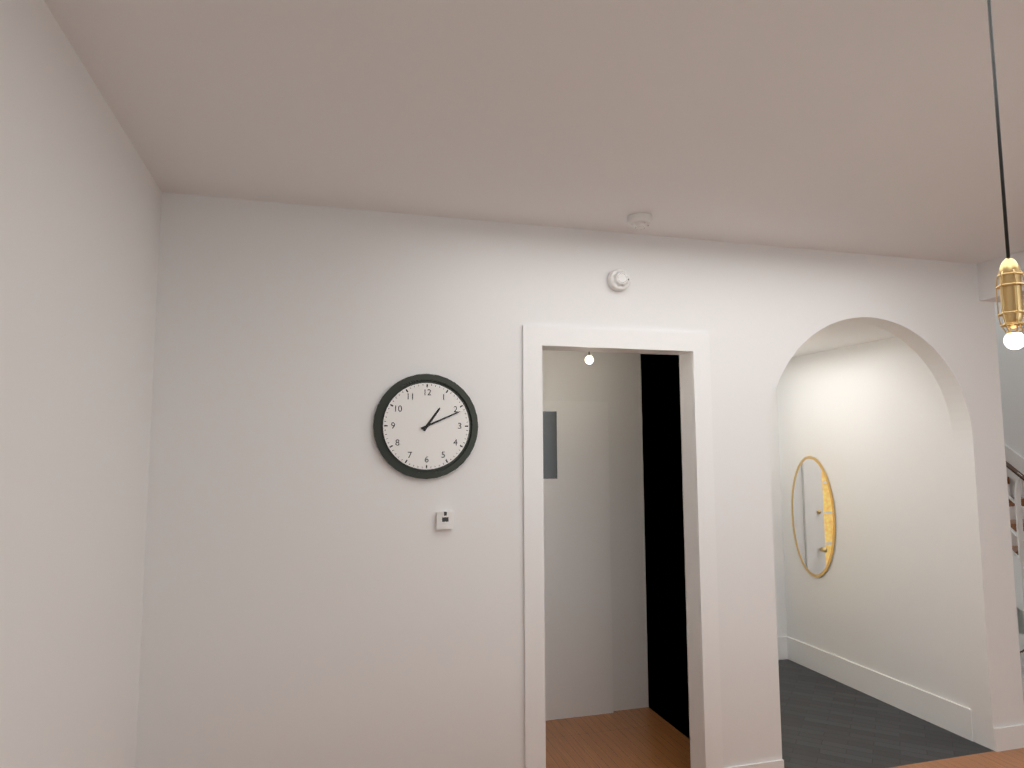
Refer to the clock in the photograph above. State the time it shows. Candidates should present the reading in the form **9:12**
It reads **1:11**
